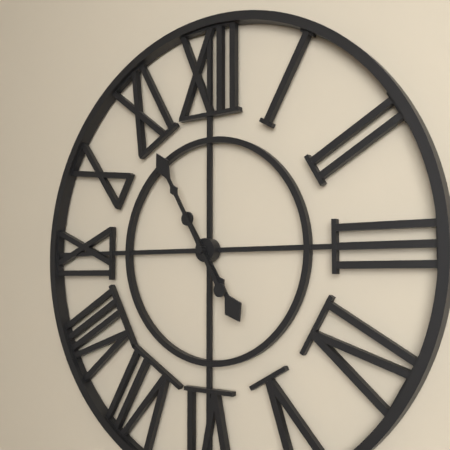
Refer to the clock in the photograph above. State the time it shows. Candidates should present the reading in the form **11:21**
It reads **4:55**
